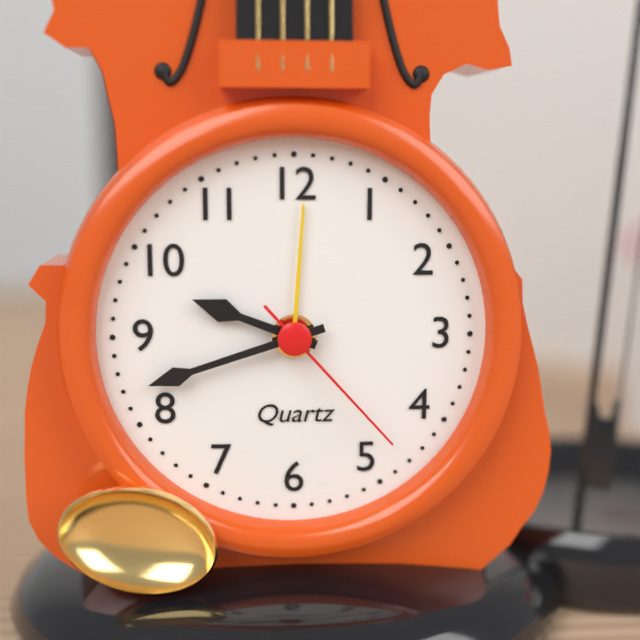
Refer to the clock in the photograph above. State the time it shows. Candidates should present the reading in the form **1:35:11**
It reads **9:42:23**
